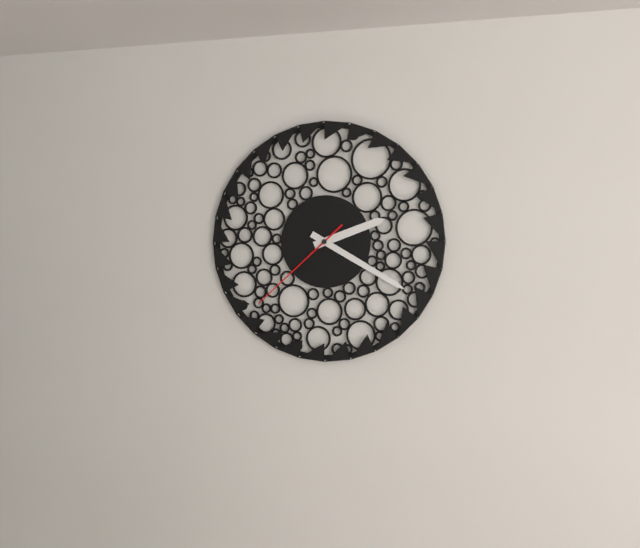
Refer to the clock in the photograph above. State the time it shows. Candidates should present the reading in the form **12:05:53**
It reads **2:20:38**
